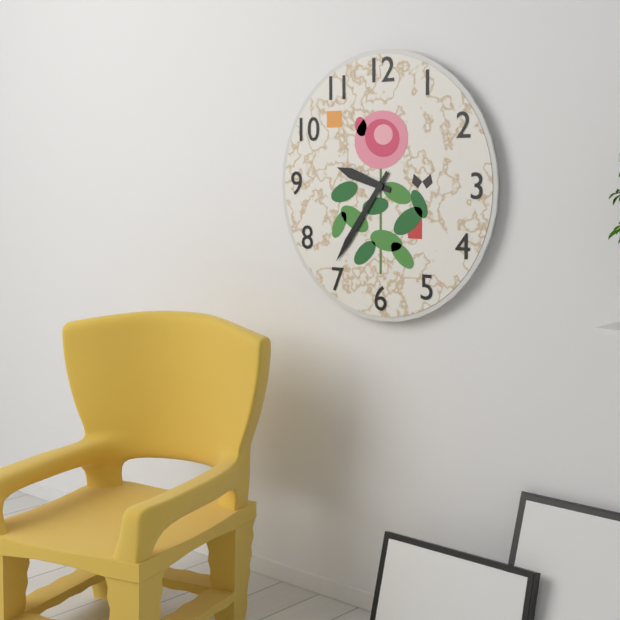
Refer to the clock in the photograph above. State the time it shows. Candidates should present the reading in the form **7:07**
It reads **9:36**
